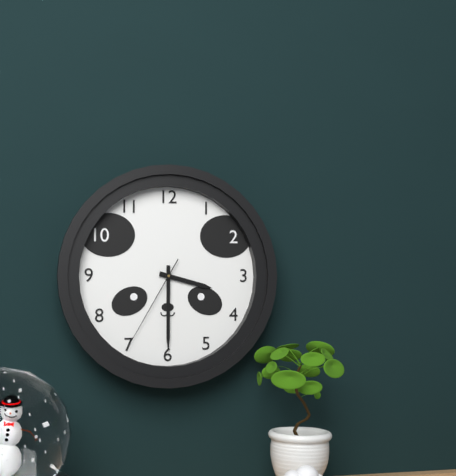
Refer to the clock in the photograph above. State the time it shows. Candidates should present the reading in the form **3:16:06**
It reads **3:30:35**
